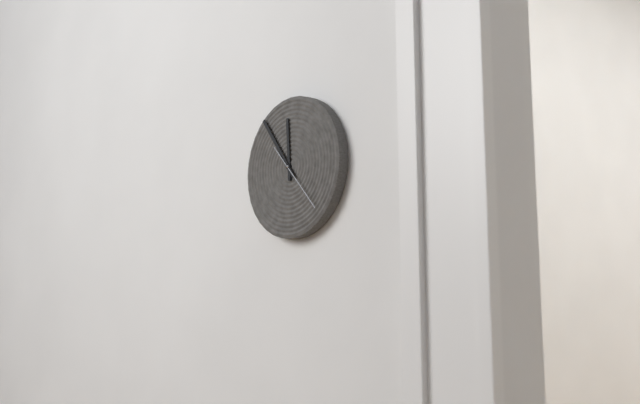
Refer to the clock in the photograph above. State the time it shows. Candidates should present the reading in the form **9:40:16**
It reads **11:54:23**
